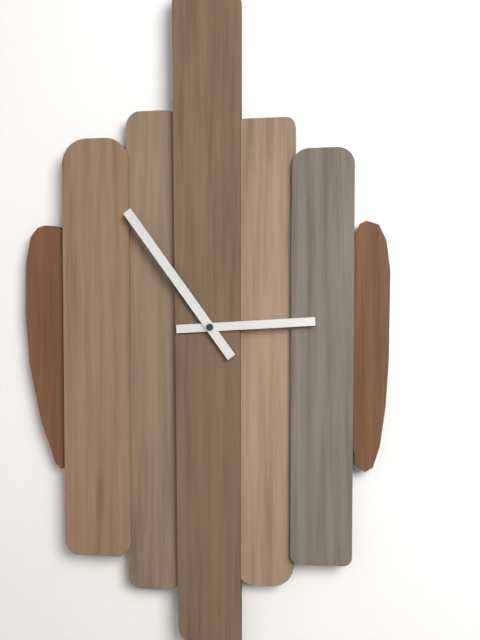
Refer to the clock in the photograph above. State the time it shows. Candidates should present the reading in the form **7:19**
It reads **2:54**
